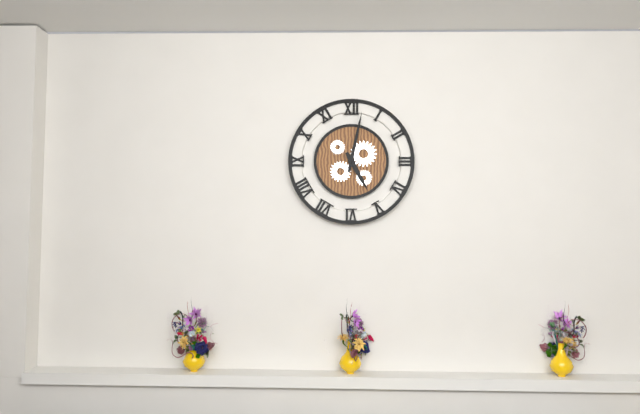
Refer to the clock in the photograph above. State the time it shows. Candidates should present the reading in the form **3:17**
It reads **5:02**
